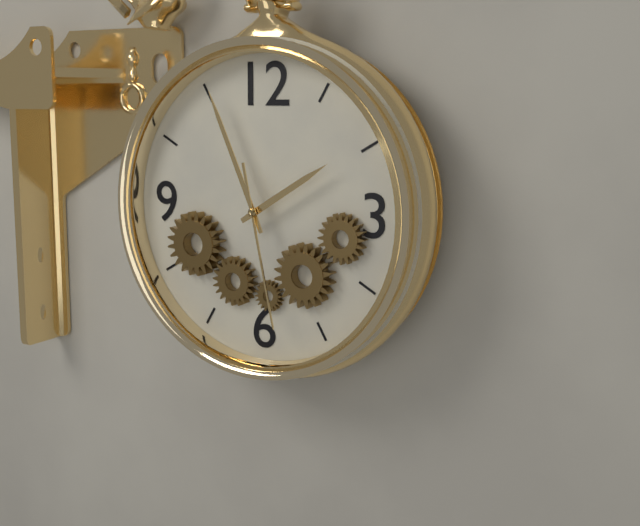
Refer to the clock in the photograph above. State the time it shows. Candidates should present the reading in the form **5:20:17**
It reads **1:56:28**
